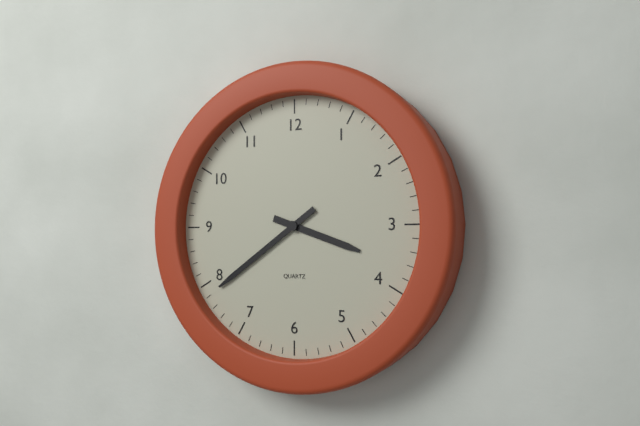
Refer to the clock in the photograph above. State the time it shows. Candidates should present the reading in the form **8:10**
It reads **3:39**
